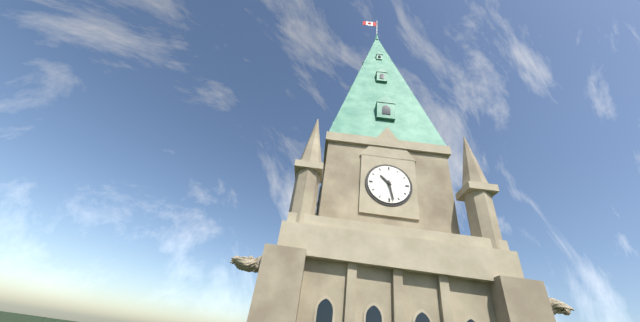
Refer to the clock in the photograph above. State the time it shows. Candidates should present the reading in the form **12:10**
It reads **10:28**
